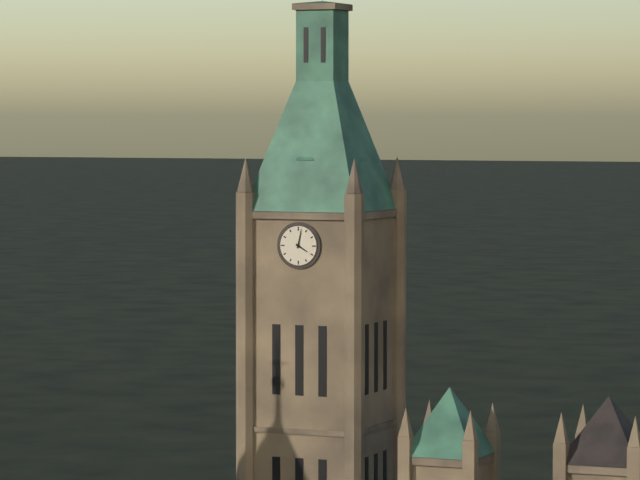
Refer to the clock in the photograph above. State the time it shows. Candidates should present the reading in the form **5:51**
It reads **4:02**
